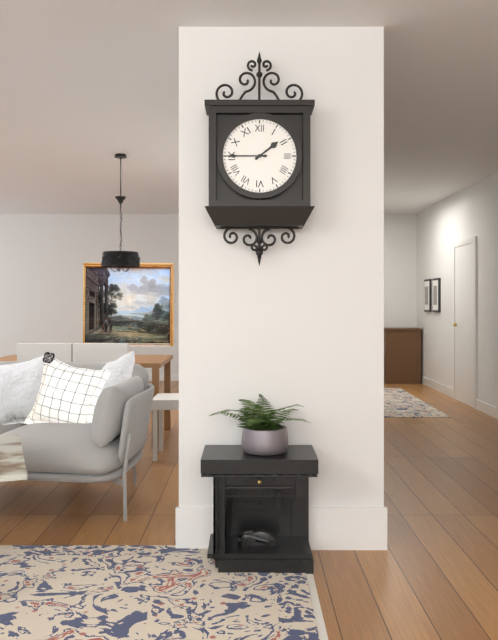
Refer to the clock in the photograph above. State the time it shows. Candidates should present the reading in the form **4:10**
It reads **1:45**
